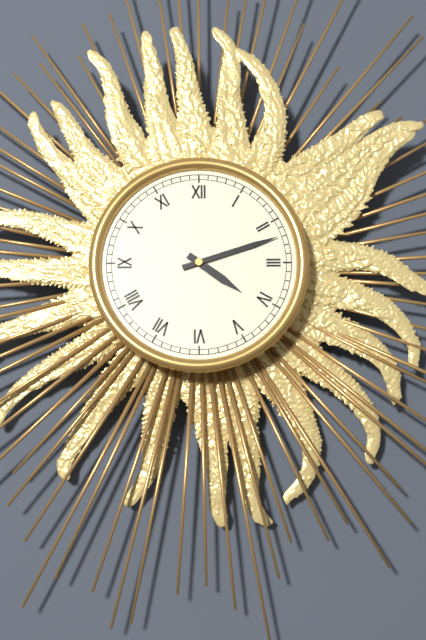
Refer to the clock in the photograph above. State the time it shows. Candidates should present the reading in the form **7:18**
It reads **4:12**
